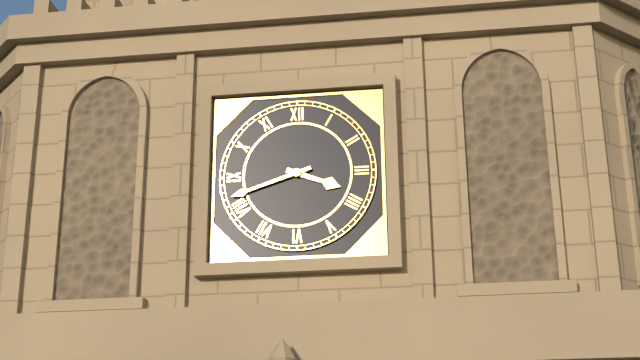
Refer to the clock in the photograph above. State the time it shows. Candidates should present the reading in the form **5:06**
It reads **3:42**
